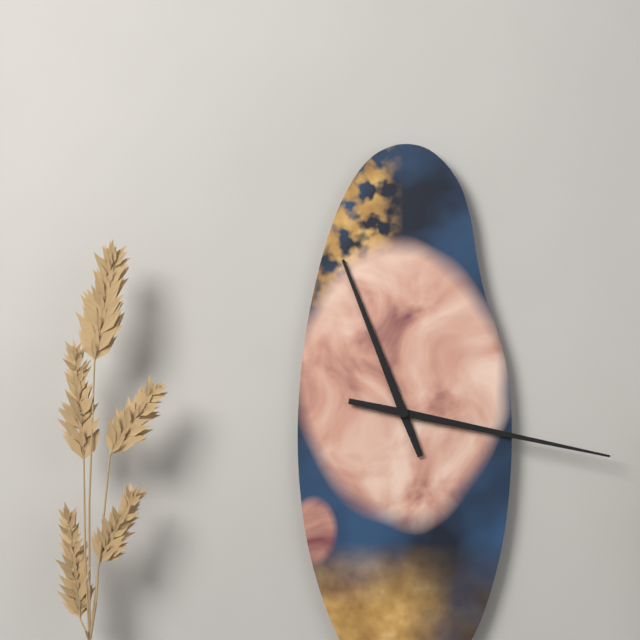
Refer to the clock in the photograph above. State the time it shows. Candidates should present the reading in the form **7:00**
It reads **11:17**
